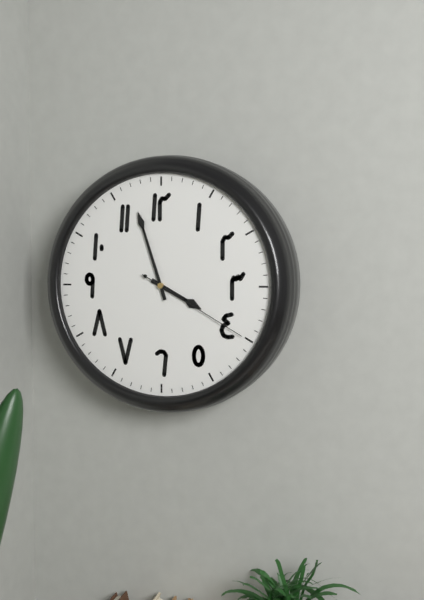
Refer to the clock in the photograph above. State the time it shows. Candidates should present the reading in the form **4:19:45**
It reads **3:57:20**
